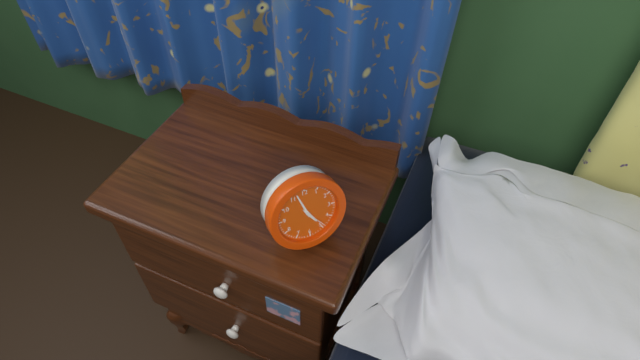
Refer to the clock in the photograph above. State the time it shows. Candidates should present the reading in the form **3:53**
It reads **4:57**
